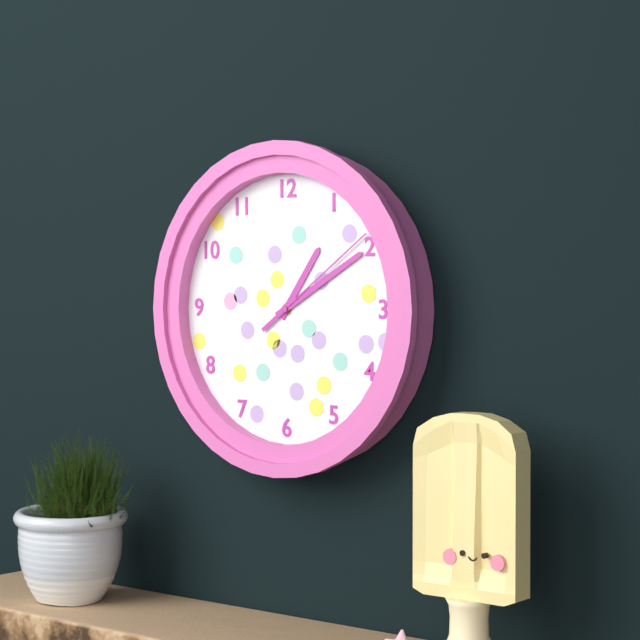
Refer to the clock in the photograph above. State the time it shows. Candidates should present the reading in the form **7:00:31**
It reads **1:10:09**
